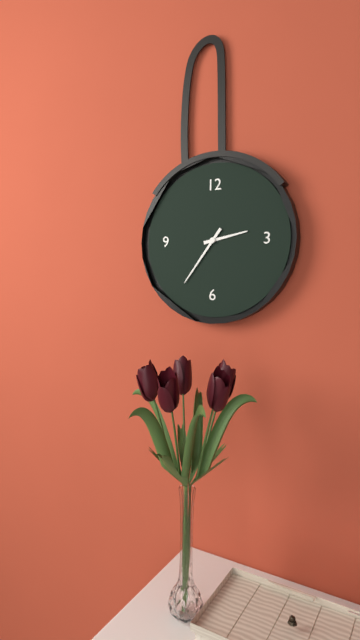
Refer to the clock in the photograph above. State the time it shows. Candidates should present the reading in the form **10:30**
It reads **2:36**
